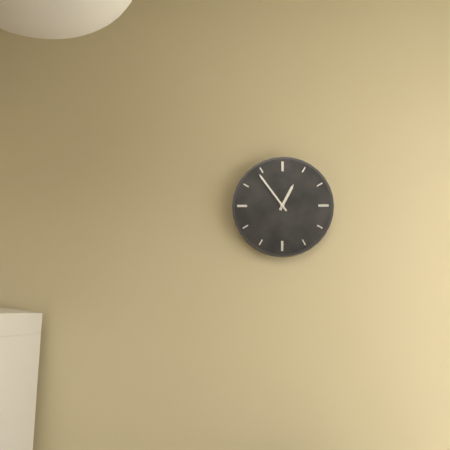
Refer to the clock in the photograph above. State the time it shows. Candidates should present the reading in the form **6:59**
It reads **12:54**
